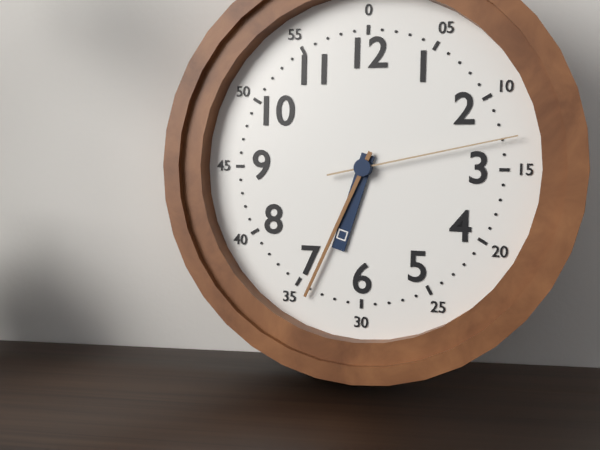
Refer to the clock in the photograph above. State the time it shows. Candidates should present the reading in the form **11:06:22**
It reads **6:34:13**
